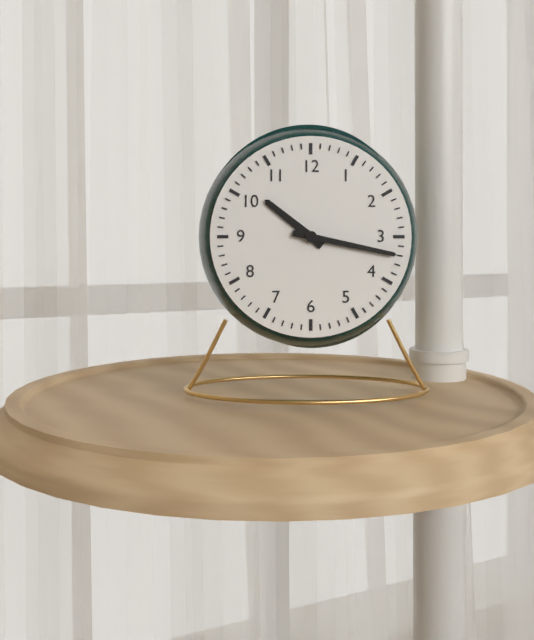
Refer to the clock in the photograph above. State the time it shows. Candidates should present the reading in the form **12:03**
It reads **10:17**
